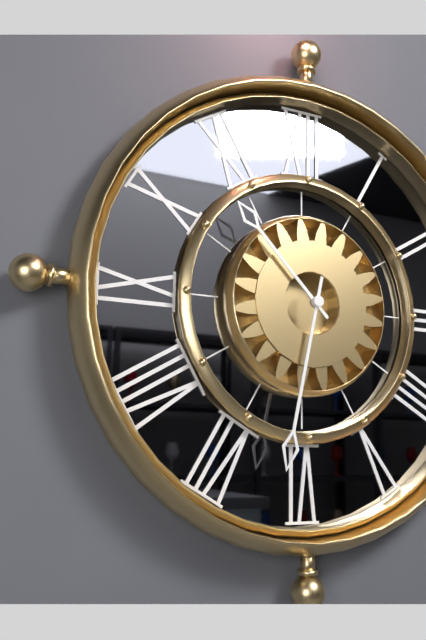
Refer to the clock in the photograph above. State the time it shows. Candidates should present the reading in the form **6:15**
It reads **10:32**
